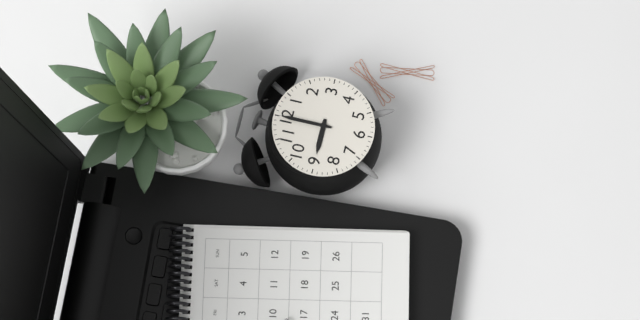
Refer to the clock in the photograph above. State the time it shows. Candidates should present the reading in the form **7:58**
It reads **9:00**
